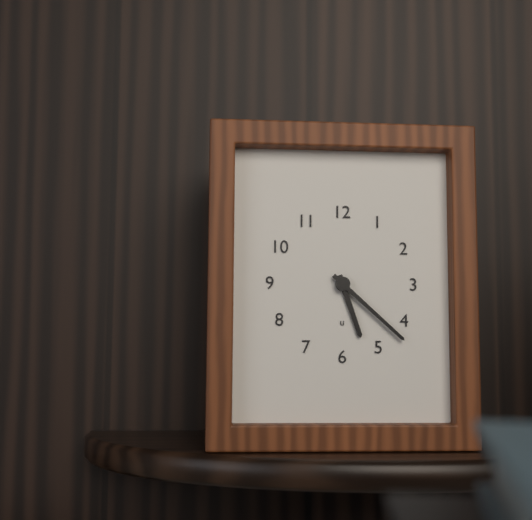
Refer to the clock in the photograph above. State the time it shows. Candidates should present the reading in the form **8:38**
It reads **5:22**
